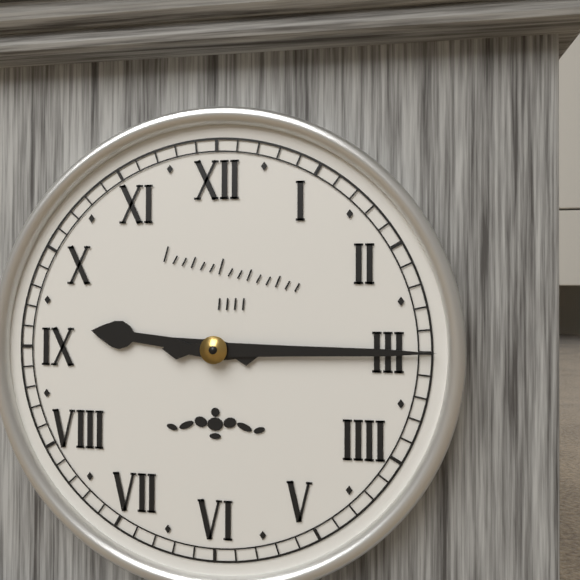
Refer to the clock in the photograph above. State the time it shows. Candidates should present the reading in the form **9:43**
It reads **9:15**
